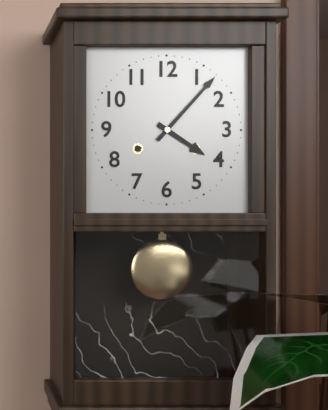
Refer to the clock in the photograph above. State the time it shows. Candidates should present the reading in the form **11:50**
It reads **4:07**
